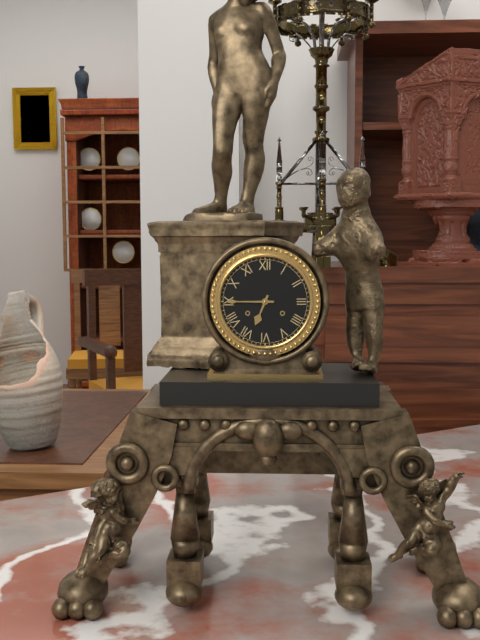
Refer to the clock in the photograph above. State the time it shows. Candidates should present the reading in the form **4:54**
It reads **6:45**
